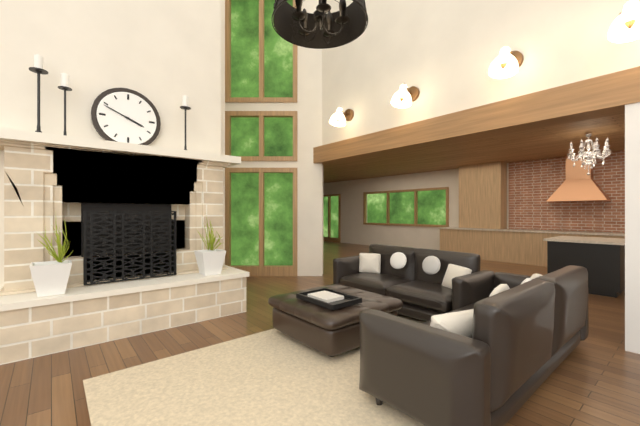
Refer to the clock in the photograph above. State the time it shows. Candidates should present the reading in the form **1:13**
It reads **3:49**
